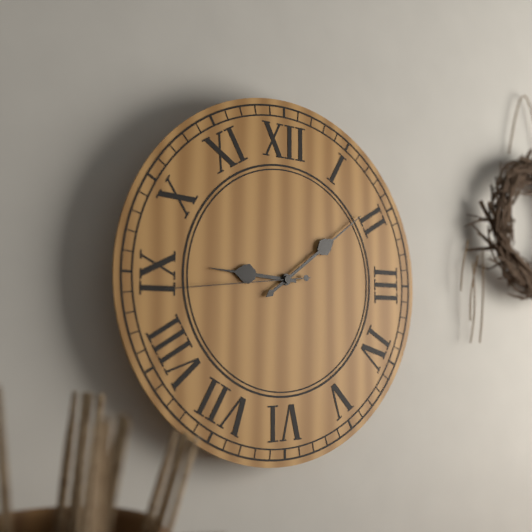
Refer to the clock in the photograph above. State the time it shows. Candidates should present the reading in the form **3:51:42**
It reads **9:09:44**
